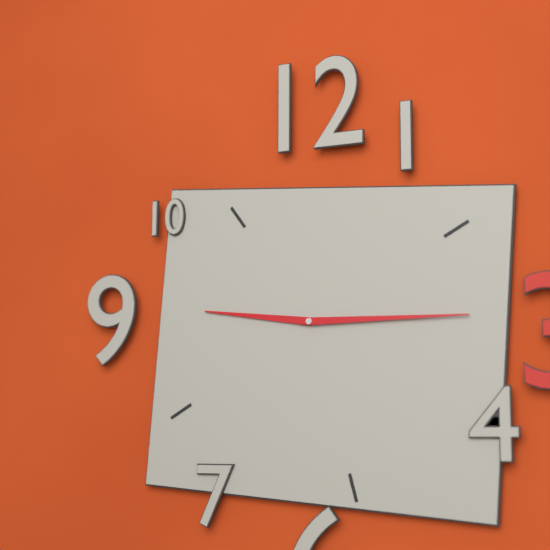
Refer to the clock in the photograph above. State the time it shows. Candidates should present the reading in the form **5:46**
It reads **9:15**
